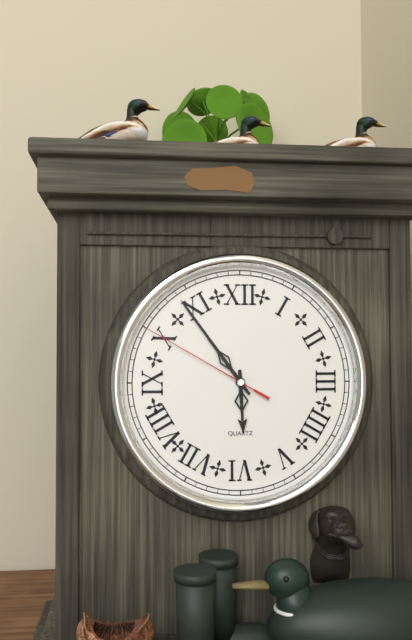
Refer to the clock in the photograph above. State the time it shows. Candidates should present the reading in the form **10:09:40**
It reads **5:54:50**
